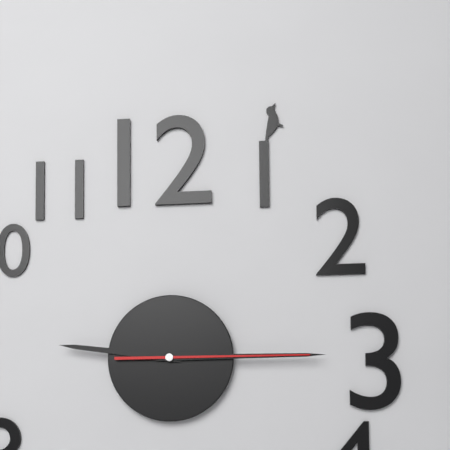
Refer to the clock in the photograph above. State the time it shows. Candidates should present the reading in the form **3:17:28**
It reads **9:15:15**
